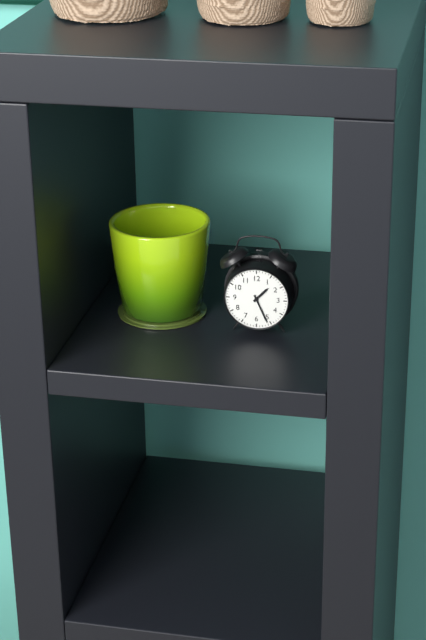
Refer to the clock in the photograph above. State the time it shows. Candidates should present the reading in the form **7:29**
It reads **1:26**
